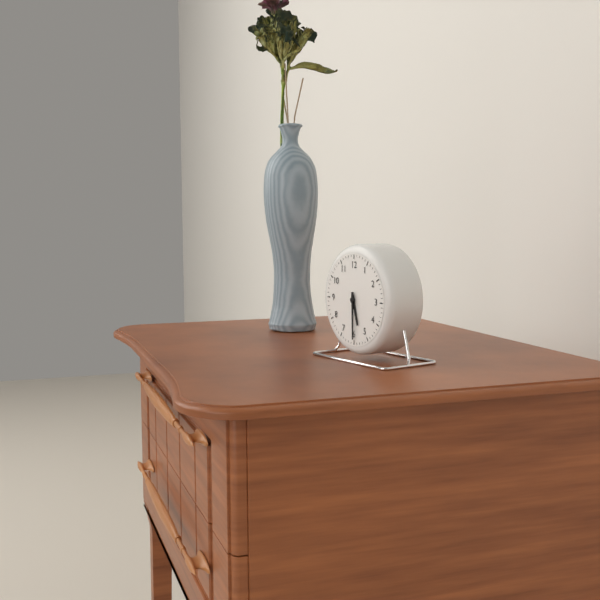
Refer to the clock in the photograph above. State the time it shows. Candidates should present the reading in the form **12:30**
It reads **5:30**
